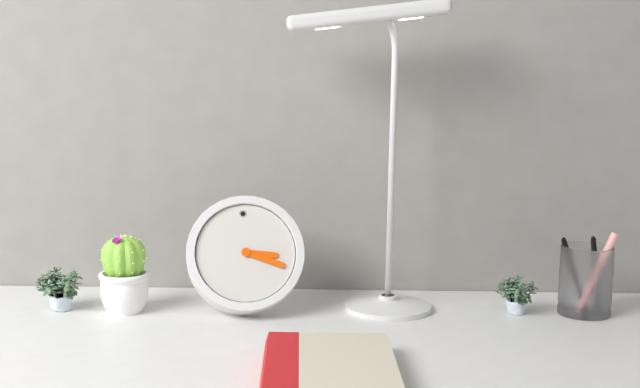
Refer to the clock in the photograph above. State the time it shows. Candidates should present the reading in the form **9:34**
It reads **3:19**
